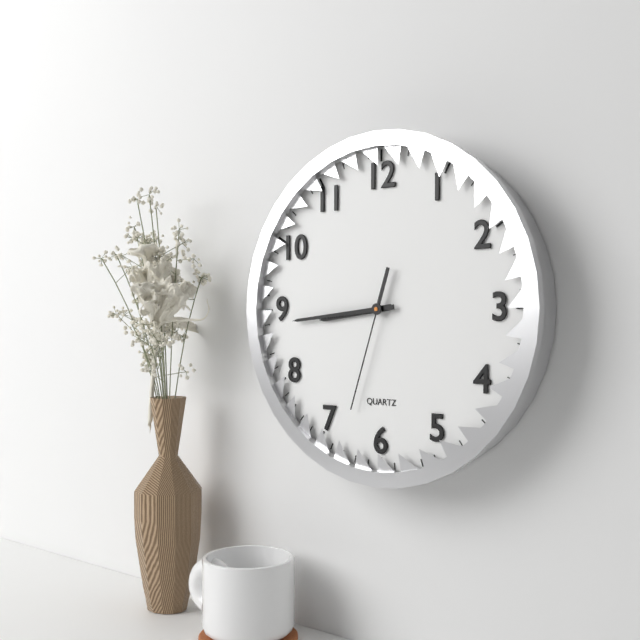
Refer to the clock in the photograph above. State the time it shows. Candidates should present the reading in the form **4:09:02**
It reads **8:44:33**
